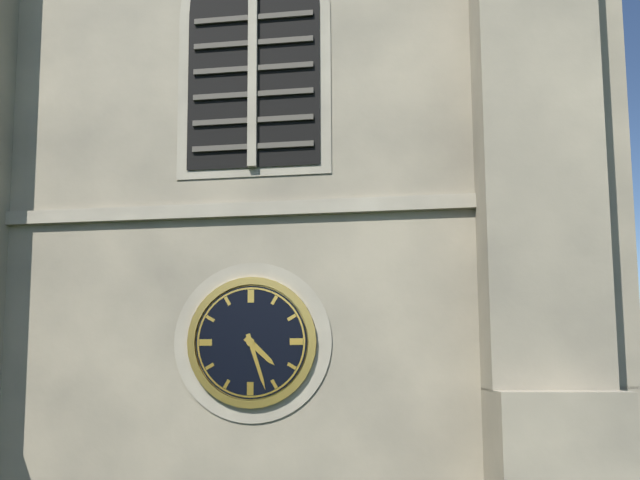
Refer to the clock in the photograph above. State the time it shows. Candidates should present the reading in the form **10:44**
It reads **4:27**
